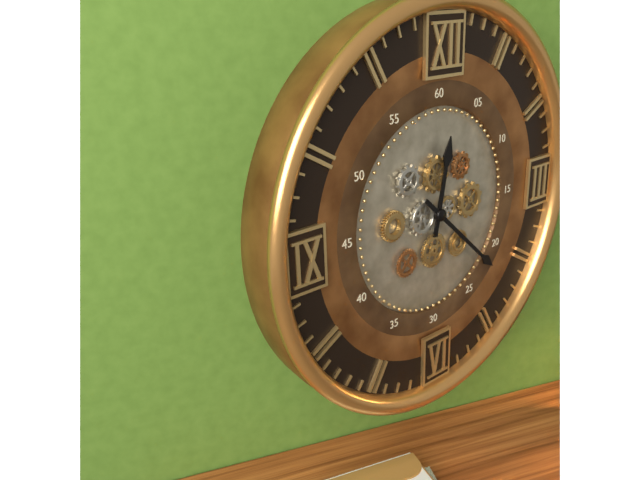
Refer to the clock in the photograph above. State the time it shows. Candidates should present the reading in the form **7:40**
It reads **12:22**
